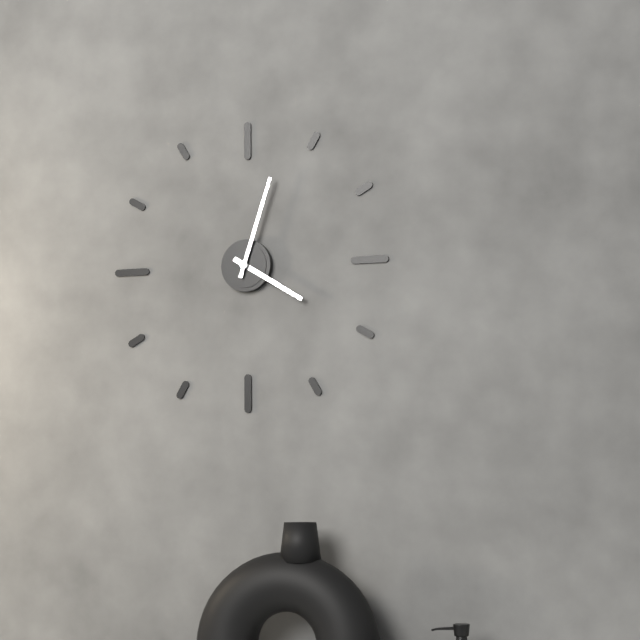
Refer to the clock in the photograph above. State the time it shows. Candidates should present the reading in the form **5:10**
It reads **4:03**
